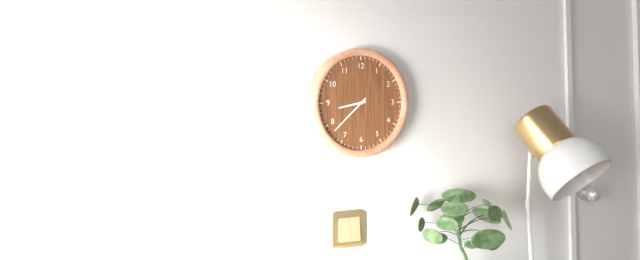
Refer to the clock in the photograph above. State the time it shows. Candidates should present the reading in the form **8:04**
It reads **8:38**
